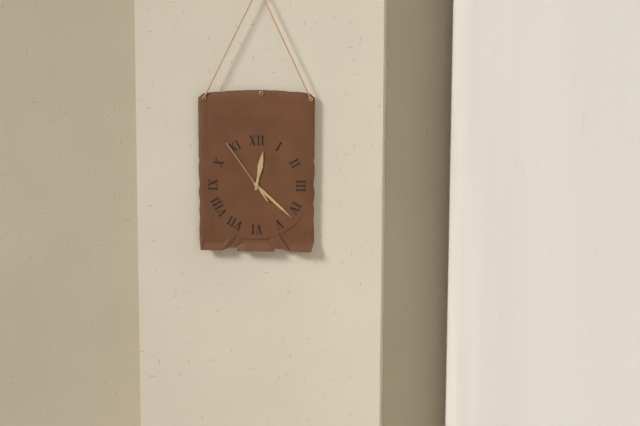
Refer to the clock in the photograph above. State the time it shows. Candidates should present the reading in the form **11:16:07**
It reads **12:22:54**
